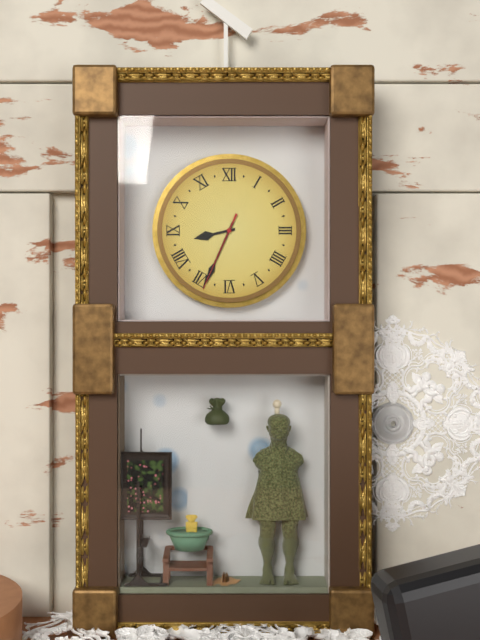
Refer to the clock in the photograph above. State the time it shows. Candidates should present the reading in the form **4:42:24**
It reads **8:34:34**
